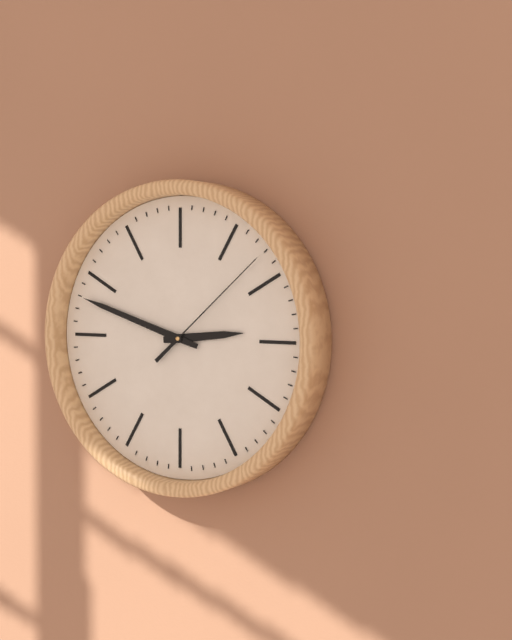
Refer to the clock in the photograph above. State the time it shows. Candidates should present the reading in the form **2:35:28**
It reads **2:48:08**
